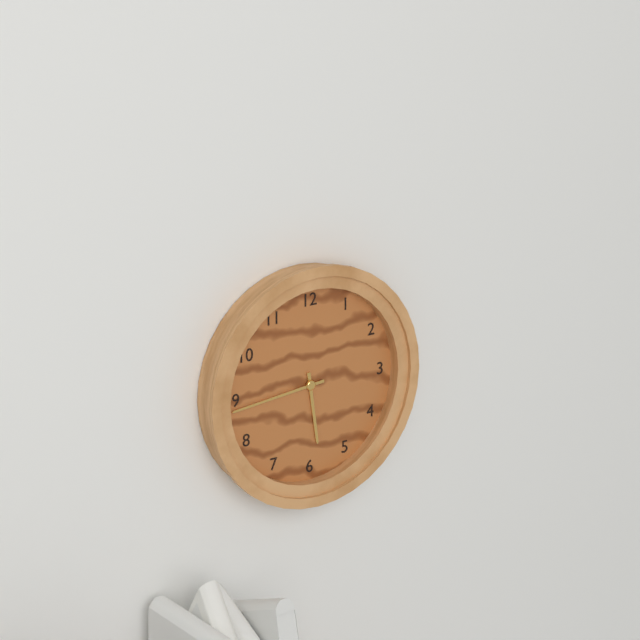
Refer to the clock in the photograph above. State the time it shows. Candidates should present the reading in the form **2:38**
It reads **5:44**
